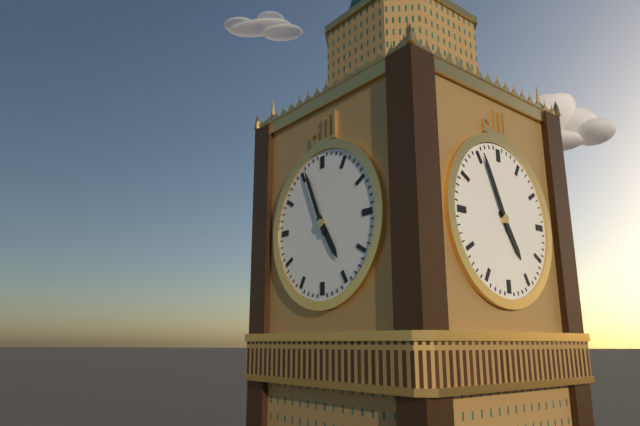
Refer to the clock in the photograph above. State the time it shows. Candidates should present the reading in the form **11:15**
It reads **4:56**
